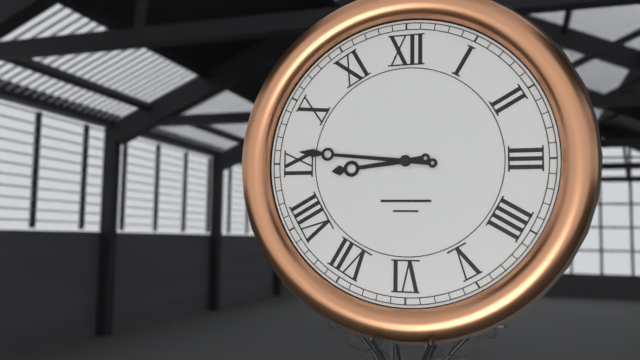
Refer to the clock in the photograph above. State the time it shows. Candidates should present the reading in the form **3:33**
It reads **8:46**
